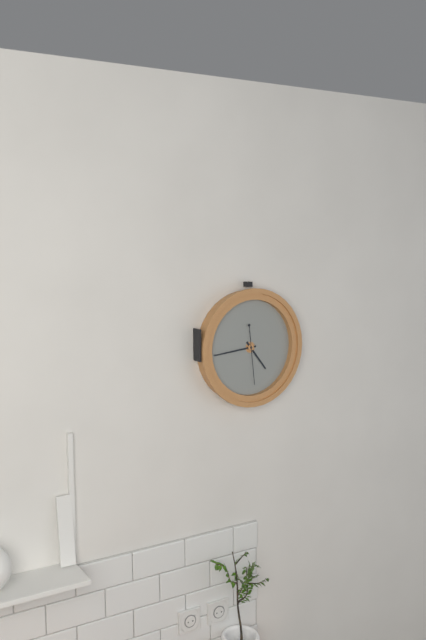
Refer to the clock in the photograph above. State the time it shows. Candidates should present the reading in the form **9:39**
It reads **4:44**
